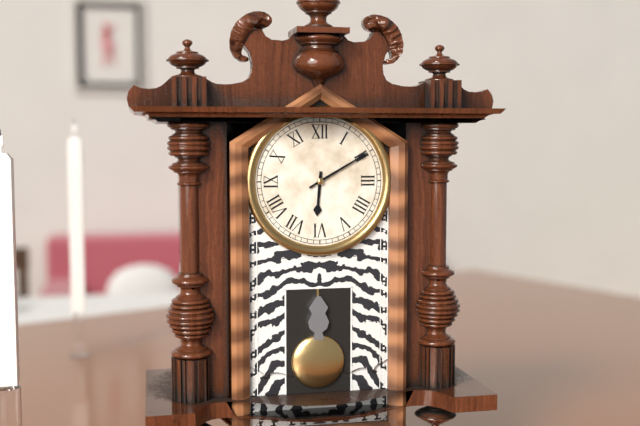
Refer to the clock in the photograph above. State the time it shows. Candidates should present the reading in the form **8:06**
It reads **6:10**
